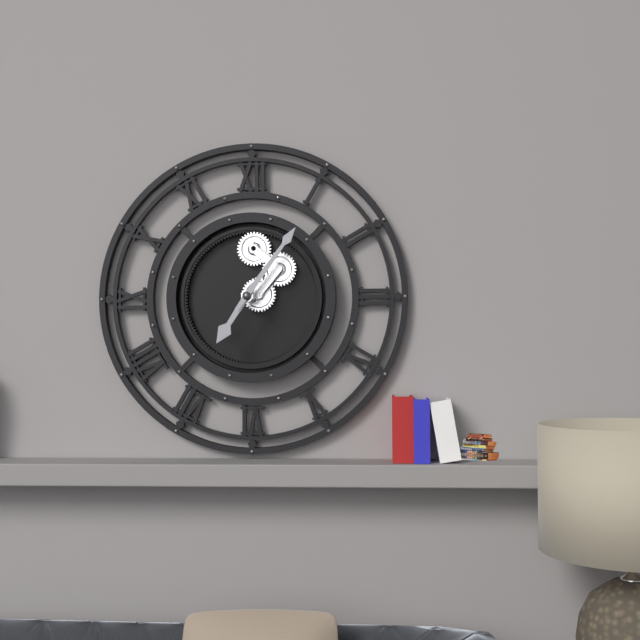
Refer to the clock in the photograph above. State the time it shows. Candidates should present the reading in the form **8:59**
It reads **7:06**
